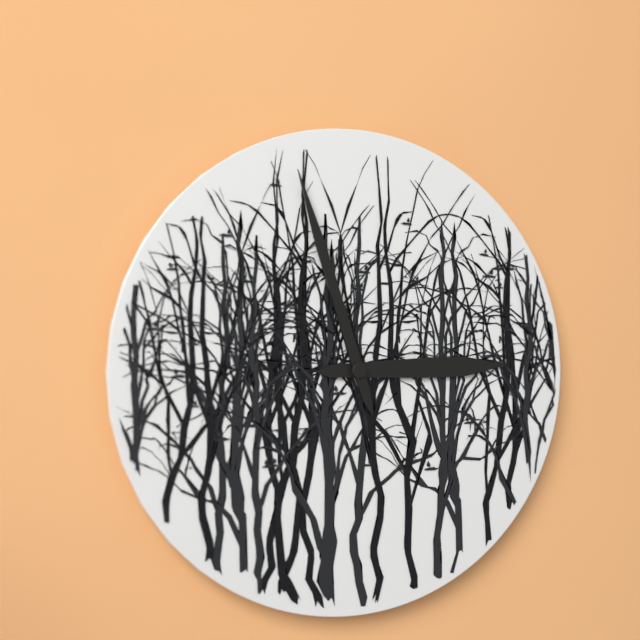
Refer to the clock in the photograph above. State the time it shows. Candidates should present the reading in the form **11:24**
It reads **2:57**
